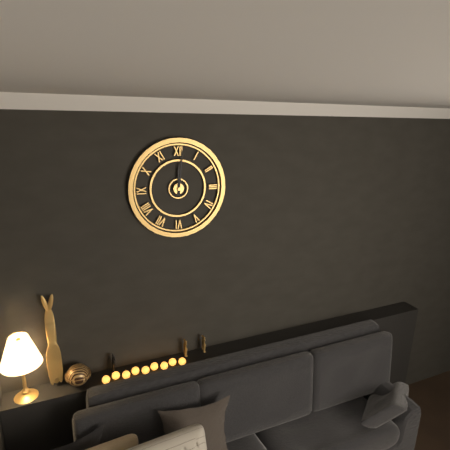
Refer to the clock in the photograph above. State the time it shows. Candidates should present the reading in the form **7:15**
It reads **12:01**
